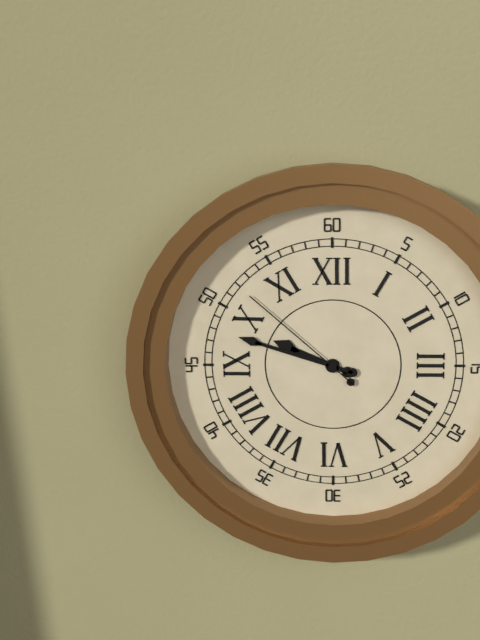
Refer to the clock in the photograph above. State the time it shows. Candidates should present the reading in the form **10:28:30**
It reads **9:48:52**
